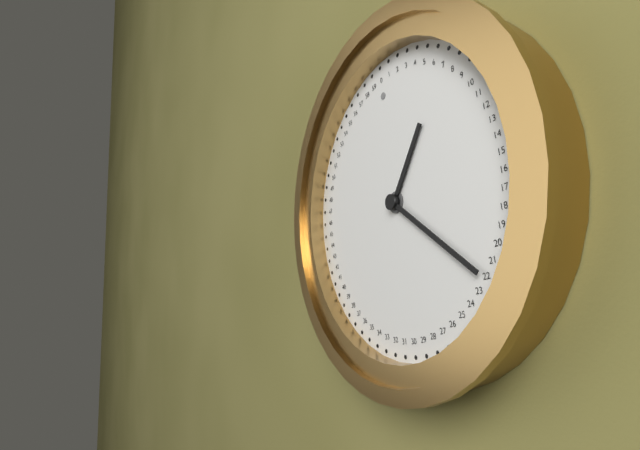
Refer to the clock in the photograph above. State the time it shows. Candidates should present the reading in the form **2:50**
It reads **1:22**
